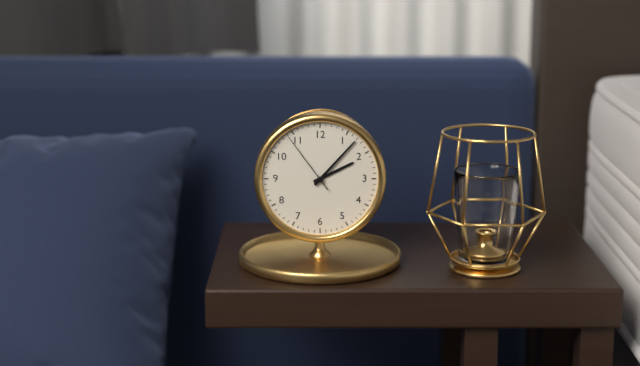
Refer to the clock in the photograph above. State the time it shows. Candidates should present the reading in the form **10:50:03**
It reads **2:07:54**
